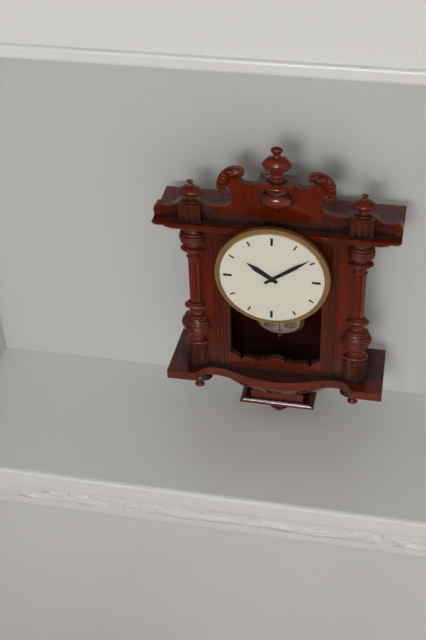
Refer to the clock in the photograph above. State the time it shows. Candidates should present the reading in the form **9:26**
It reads **10:09**
